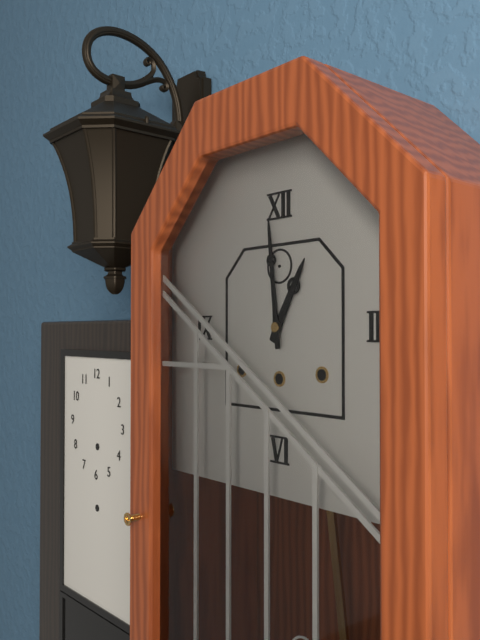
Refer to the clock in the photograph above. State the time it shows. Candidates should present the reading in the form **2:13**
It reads **12:59**
